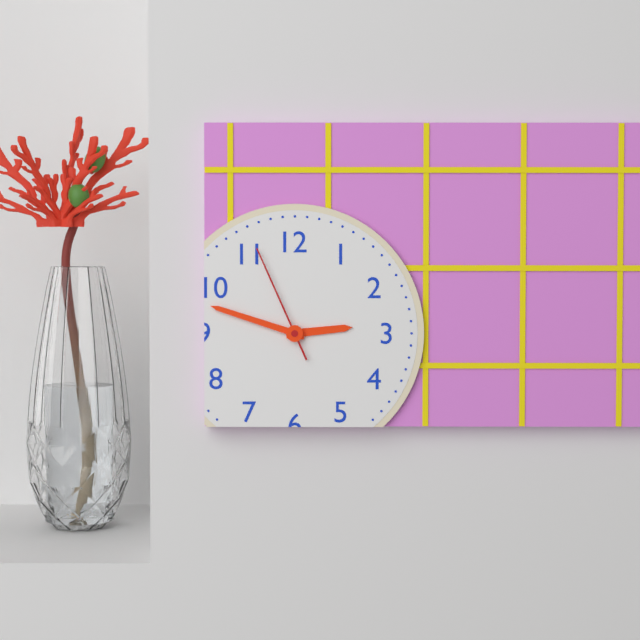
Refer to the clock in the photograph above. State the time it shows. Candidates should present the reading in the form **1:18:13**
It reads **2:48:56**
